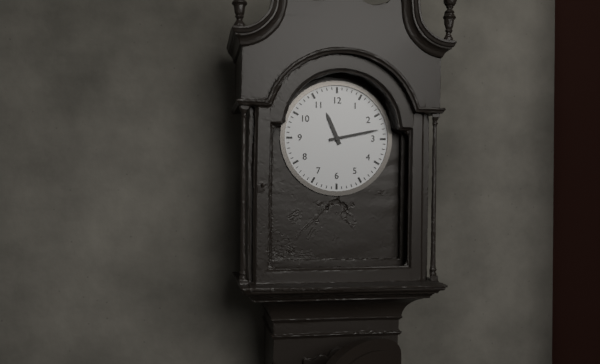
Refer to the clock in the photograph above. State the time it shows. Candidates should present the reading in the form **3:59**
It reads **11:13**
